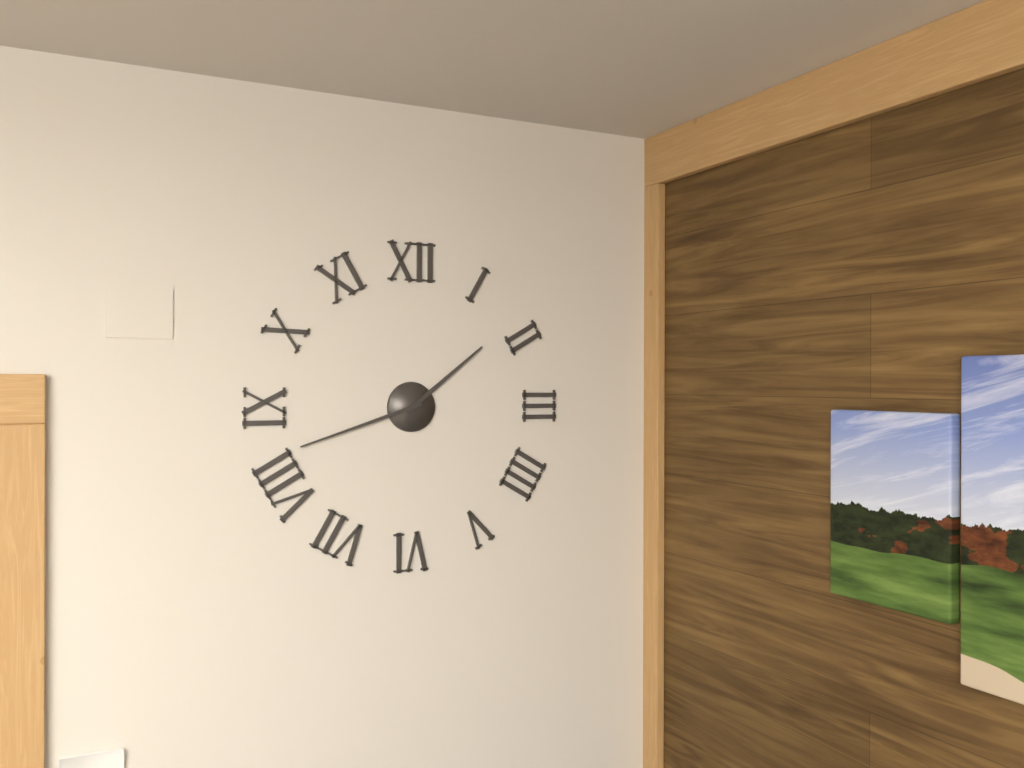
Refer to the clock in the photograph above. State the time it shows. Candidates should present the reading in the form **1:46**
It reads **1:42**
